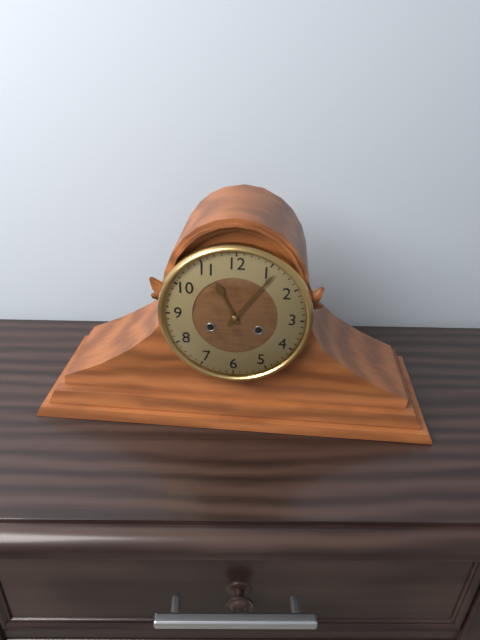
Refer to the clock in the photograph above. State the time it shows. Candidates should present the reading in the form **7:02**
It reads **11:06**
